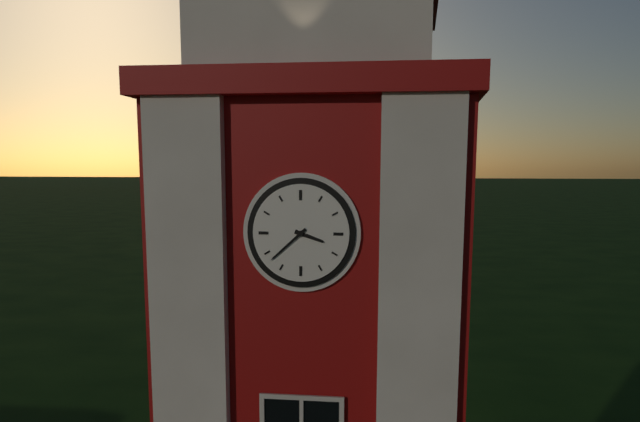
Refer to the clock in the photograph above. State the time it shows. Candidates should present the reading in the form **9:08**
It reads **3:38**
